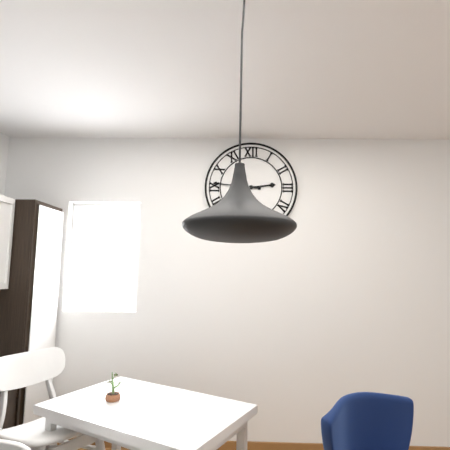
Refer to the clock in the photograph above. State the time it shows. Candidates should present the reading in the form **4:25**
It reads **2:46**
